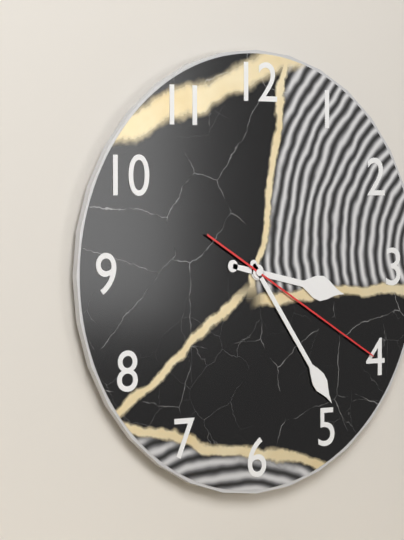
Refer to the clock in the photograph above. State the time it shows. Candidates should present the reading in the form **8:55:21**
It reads **3:24:20**
